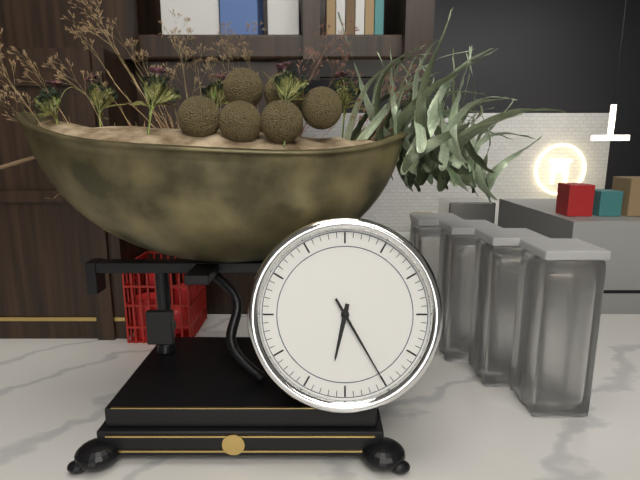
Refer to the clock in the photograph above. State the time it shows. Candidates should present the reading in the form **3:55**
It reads **6:25**
